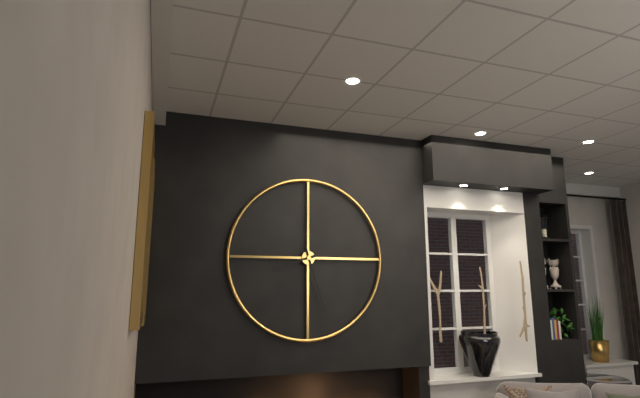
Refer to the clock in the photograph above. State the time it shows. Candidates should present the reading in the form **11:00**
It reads **8:27**
